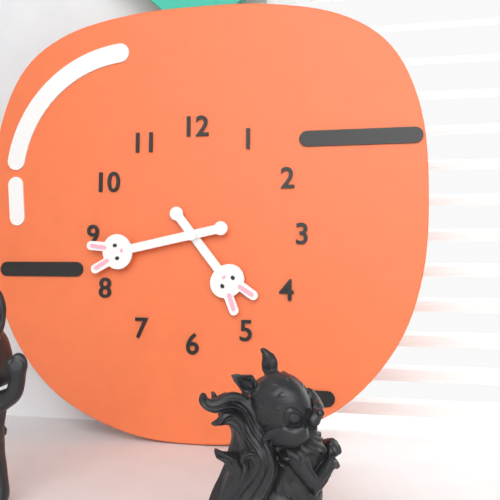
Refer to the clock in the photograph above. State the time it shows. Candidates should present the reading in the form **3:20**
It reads **4:43**
